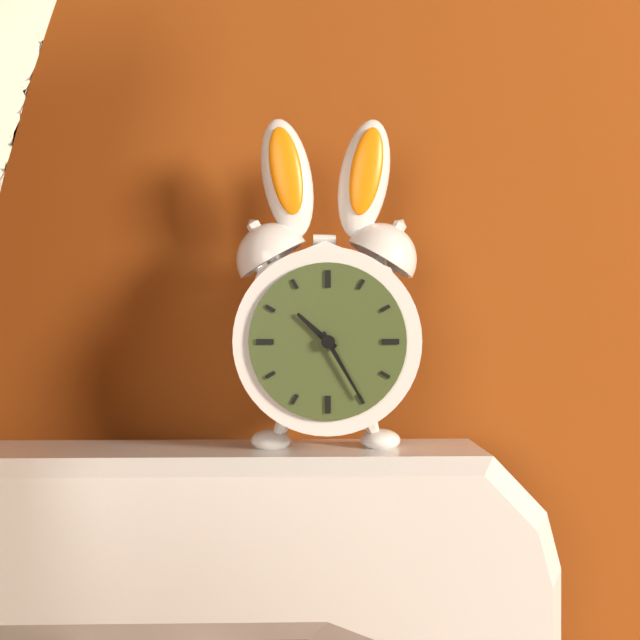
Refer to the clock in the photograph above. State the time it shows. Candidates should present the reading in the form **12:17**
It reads **10:25**
